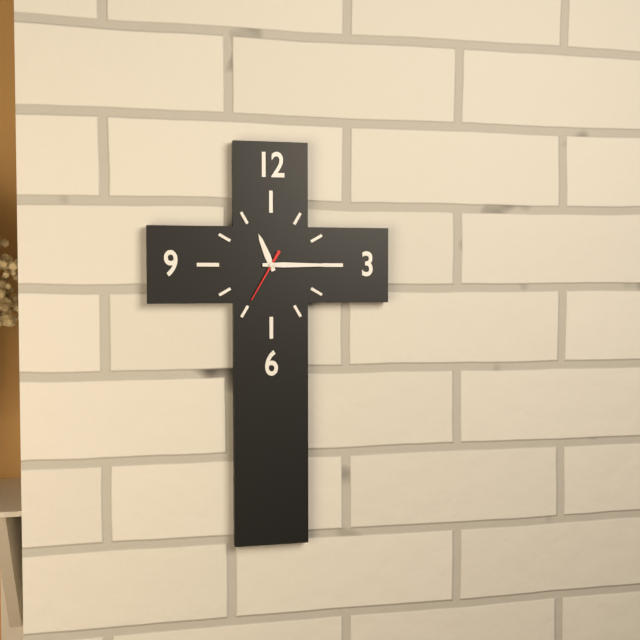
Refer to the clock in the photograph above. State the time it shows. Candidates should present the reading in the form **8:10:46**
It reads **11:15:35**
